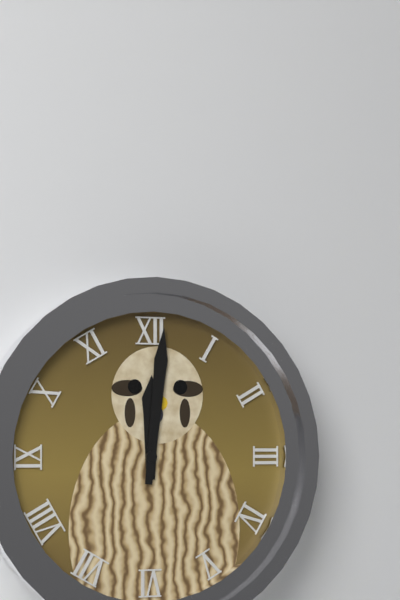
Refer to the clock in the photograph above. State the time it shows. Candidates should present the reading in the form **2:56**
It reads **12:01**
